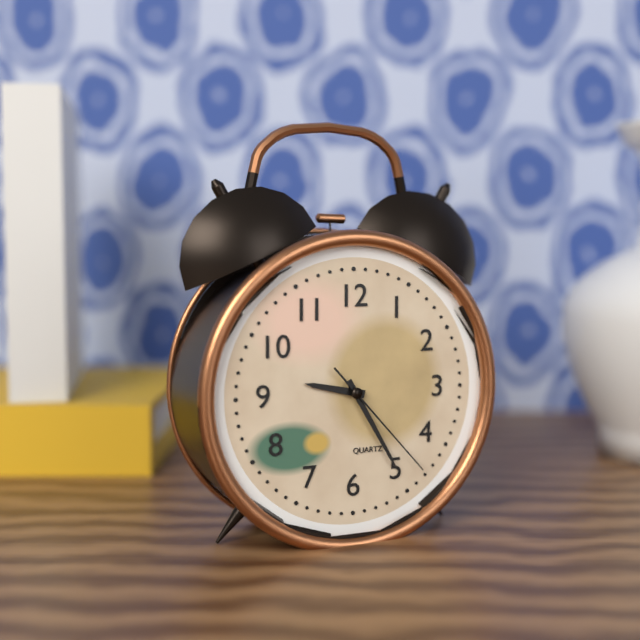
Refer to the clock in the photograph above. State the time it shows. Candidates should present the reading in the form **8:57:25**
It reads **9:25:23**
